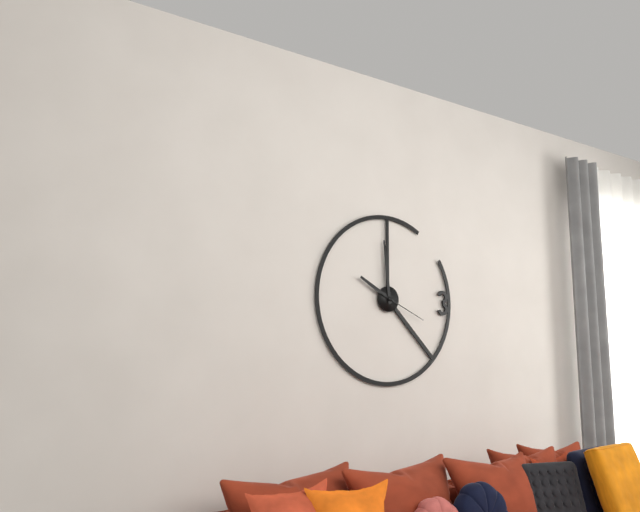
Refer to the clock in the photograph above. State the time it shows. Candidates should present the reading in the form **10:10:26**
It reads **9:59:19**
